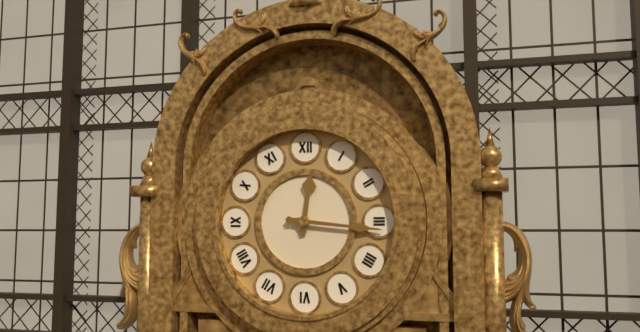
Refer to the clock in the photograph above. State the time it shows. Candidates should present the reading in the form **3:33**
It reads **12:16**
